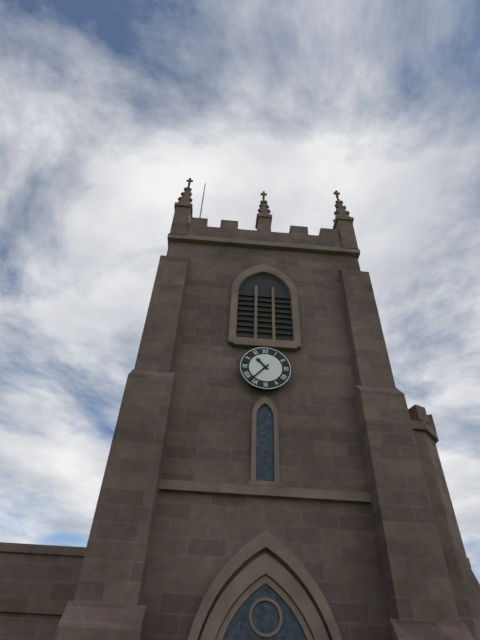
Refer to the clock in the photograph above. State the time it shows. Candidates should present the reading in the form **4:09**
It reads **10:37**
